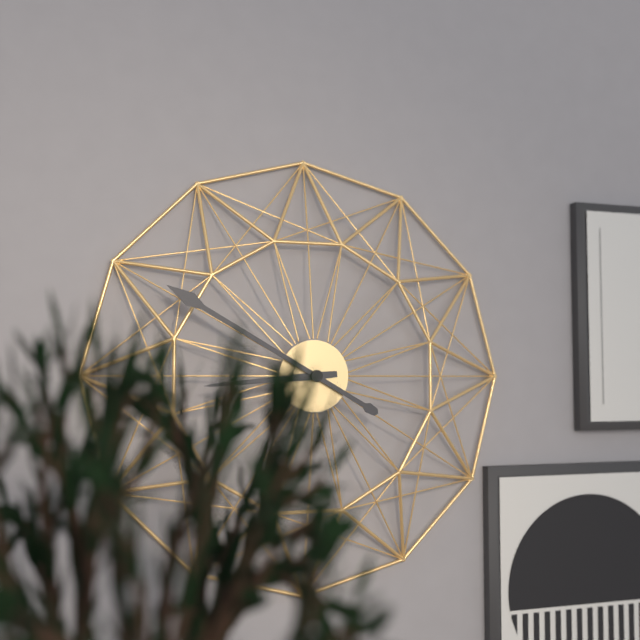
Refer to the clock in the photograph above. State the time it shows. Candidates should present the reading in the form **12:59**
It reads **8:50**
